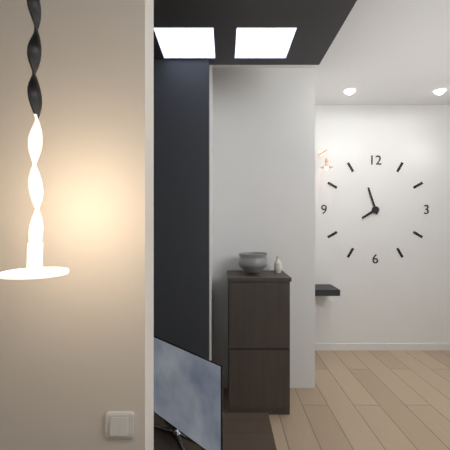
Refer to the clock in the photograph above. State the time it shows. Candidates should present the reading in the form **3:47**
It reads **7:57**
